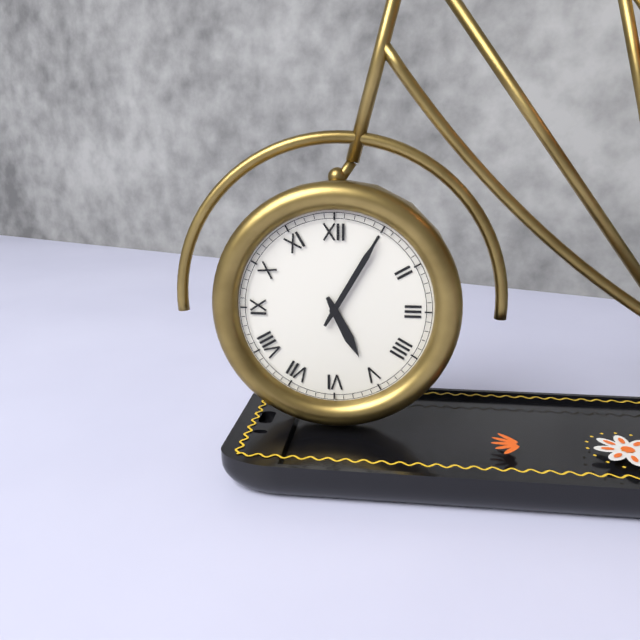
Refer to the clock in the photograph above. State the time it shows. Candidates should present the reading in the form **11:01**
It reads **5:05**
